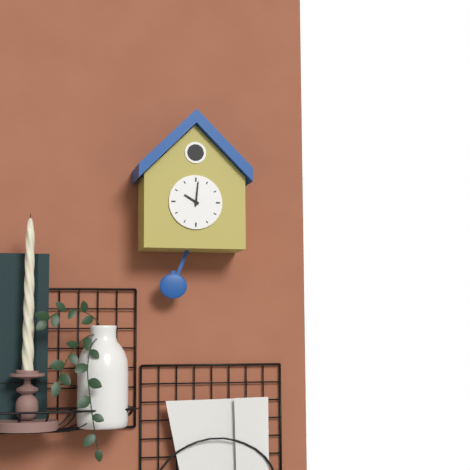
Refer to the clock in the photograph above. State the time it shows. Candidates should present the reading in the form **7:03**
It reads **10:01**
